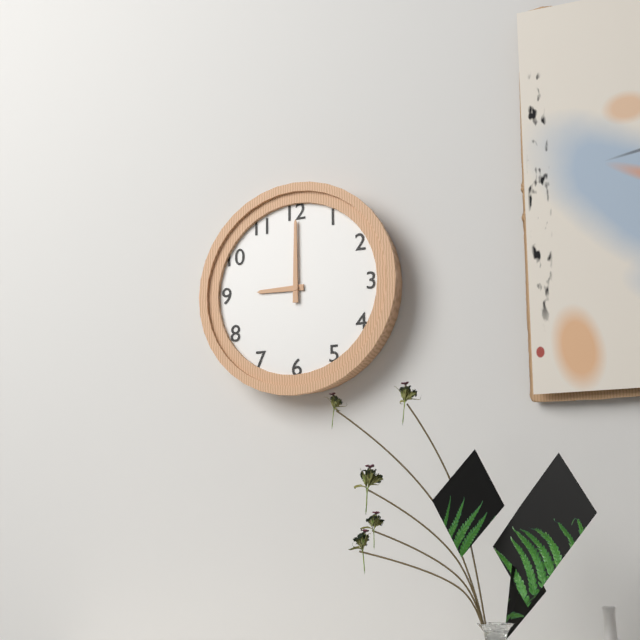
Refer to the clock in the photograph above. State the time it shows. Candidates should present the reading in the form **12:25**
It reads **9:00**
